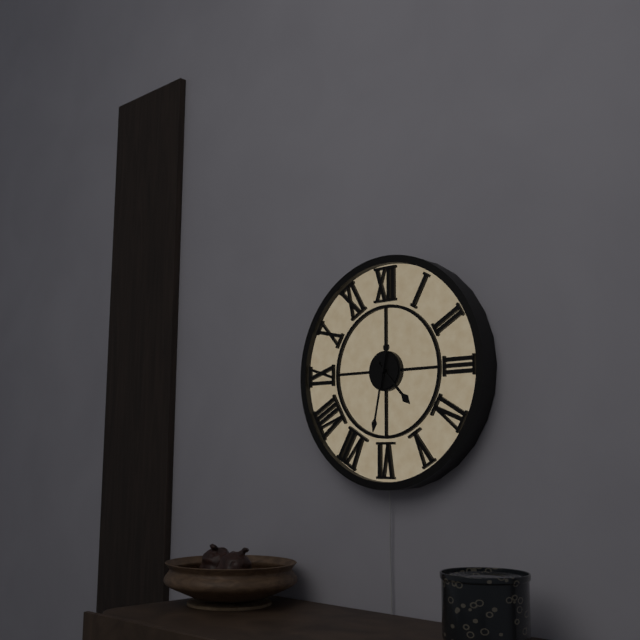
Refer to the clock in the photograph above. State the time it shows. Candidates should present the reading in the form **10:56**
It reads **4:32**
